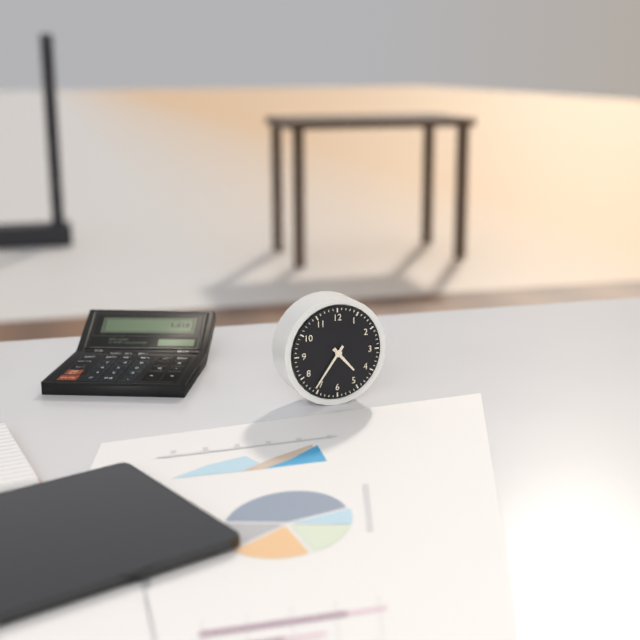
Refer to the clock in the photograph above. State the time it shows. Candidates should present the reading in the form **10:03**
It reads **4:36**
